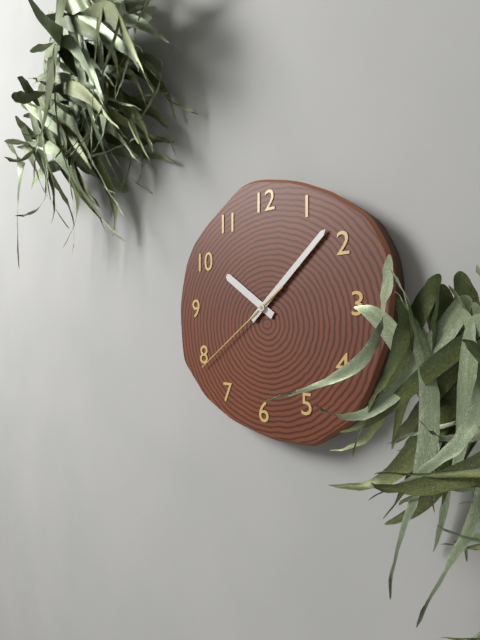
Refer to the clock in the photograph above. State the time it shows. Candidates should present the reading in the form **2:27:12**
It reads **10:08:39**
